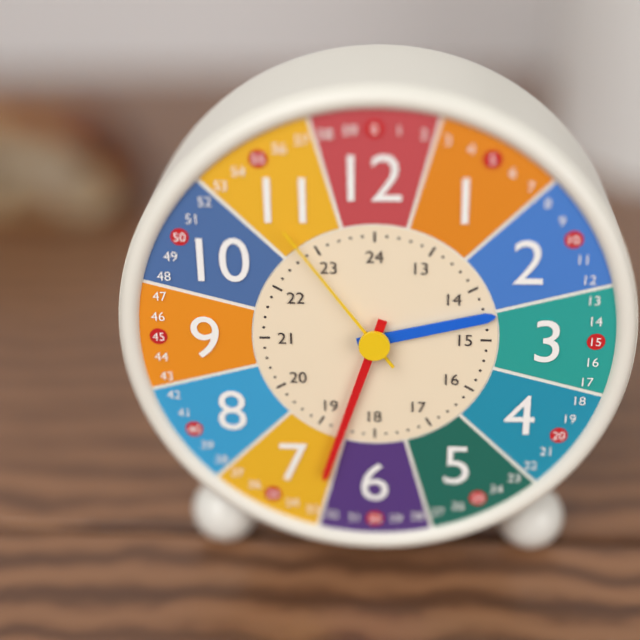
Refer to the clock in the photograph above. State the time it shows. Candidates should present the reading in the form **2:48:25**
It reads **2:33:54**
